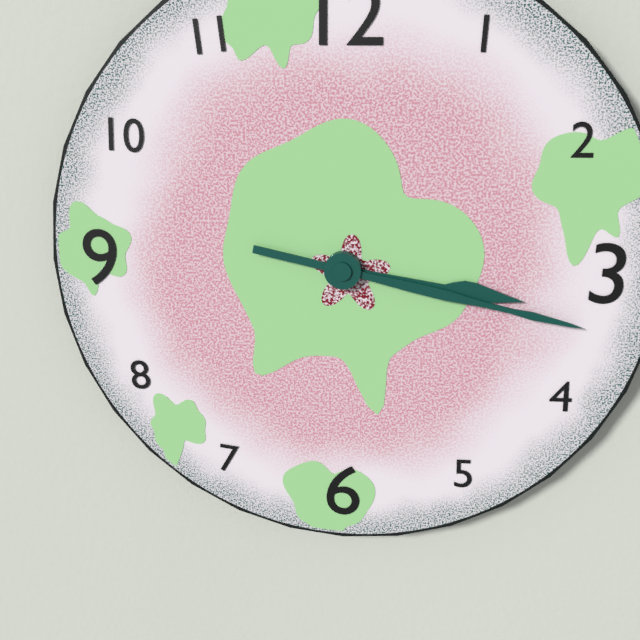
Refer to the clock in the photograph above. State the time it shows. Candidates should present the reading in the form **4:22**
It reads **3:17**
